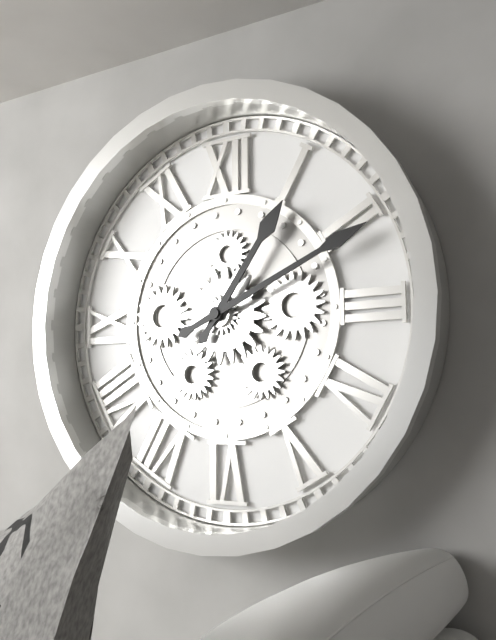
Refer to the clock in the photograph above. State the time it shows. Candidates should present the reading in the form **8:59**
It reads **1:11**
